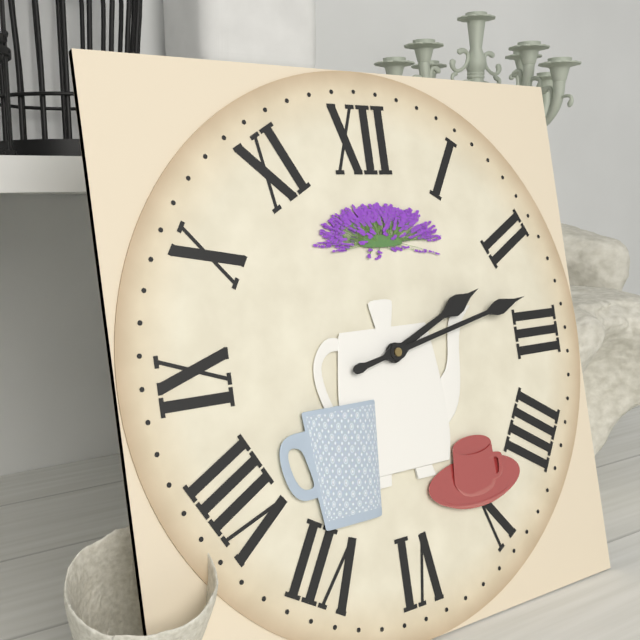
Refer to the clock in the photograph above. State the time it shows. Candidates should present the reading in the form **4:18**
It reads **2:13**
